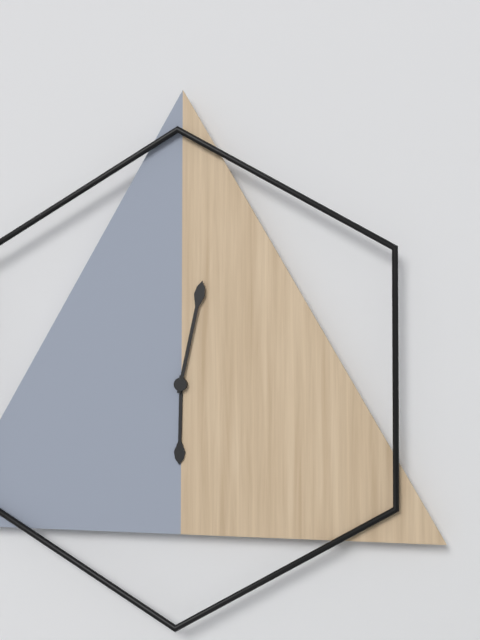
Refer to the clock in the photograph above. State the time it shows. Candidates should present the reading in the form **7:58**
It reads **6:02**
